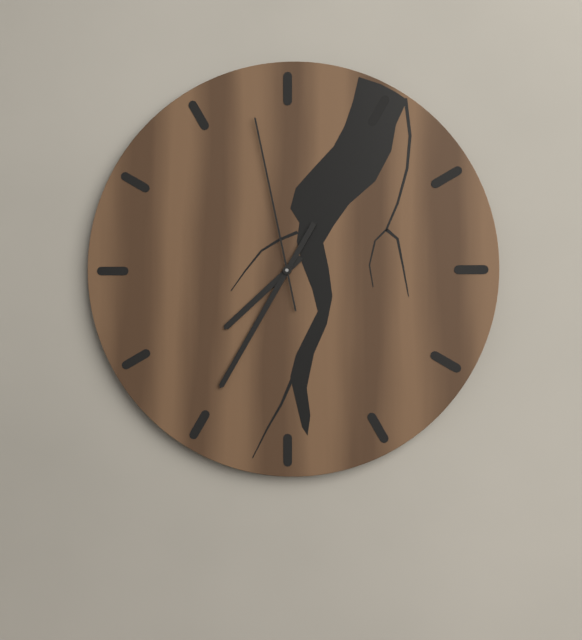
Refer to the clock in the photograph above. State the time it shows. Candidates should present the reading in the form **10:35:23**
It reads **7:35:58**
